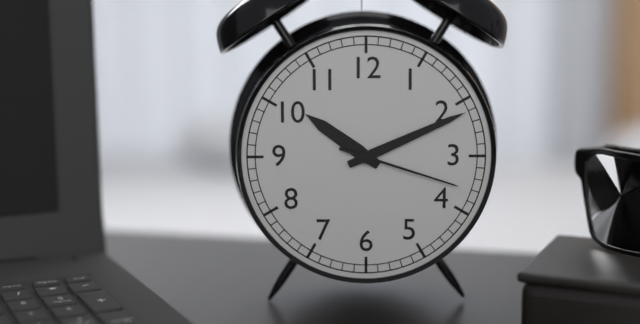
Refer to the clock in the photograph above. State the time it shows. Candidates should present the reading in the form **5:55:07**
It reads **10:11:18**
